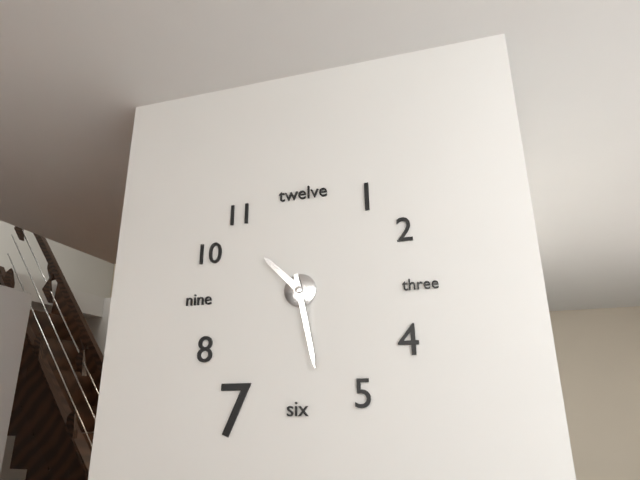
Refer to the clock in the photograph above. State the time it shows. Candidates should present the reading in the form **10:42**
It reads **10:28**
